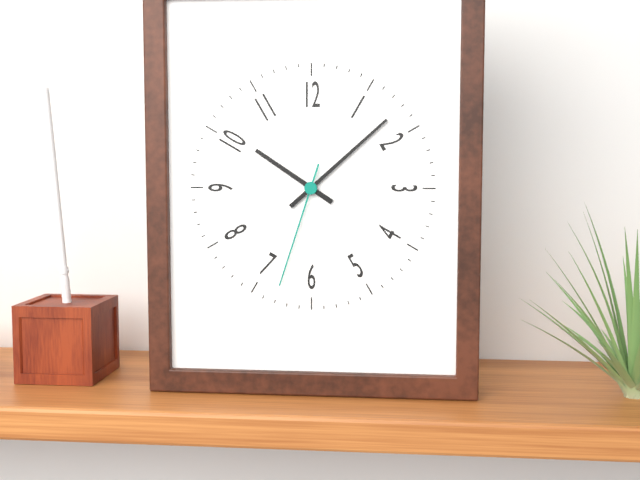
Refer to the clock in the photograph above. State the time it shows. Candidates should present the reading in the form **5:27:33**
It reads **10:08:33**
